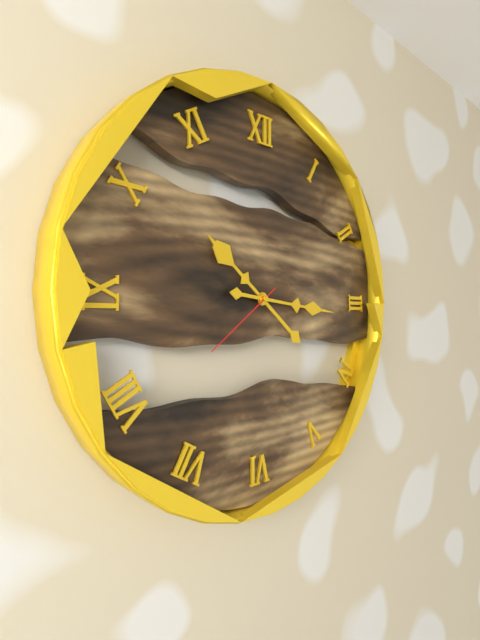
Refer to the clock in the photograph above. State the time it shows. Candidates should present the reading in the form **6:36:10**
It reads **10:16:39**
